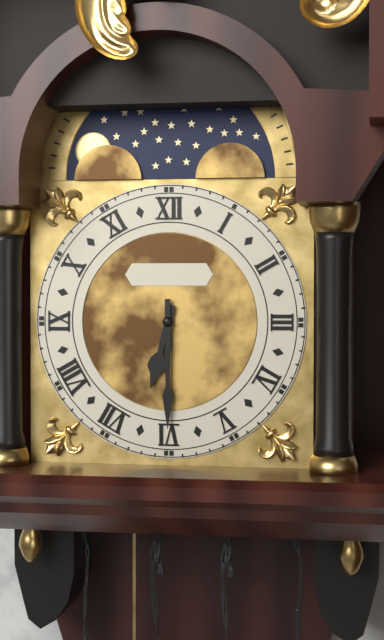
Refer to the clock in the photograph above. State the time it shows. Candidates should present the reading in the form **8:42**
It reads **6:30**
